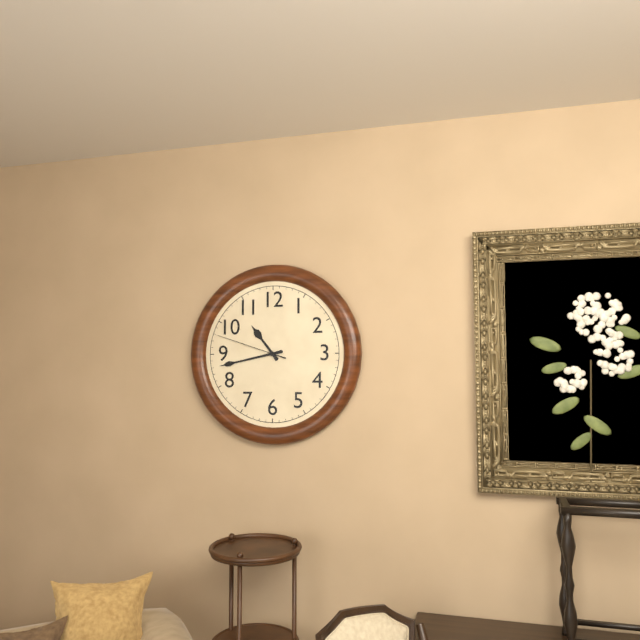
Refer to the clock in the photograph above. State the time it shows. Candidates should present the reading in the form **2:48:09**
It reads **10:43:48**
